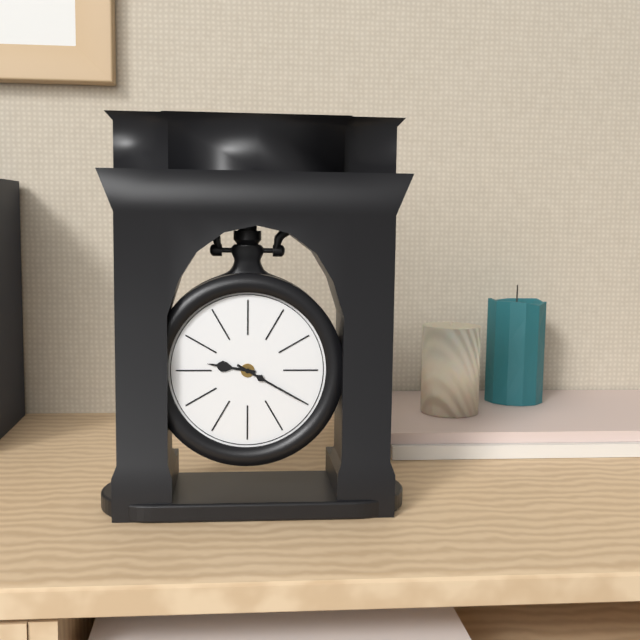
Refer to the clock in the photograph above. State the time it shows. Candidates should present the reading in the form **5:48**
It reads **9:20**
